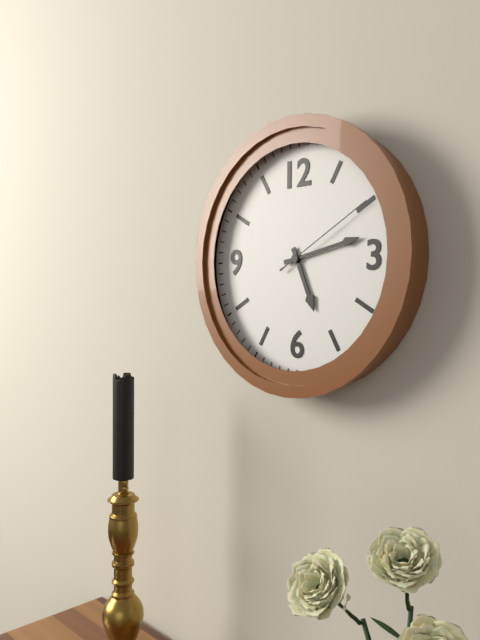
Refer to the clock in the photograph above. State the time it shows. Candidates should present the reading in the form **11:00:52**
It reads **5:13:10**
